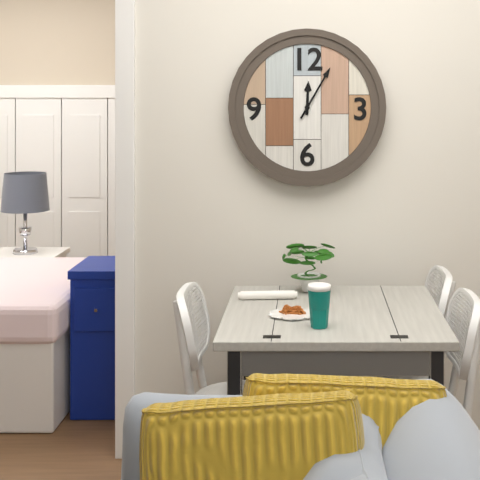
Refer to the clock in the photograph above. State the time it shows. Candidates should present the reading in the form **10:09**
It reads **12:05**
